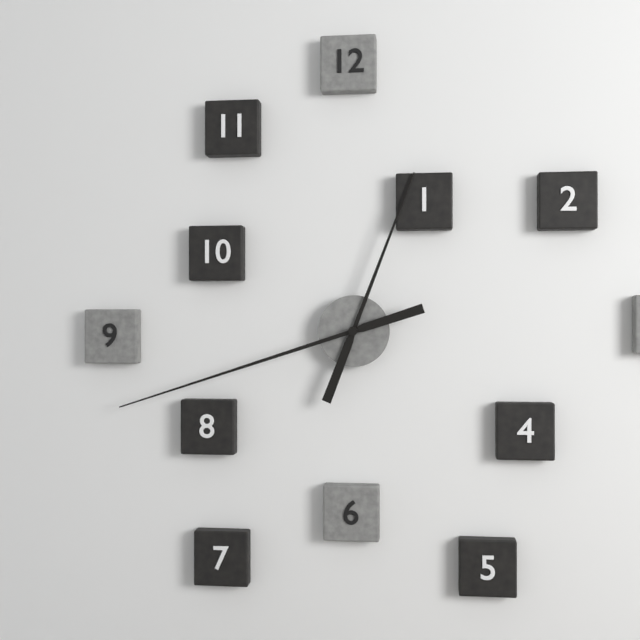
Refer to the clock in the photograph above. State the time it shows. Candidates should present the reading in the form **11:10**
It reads **12:42**
